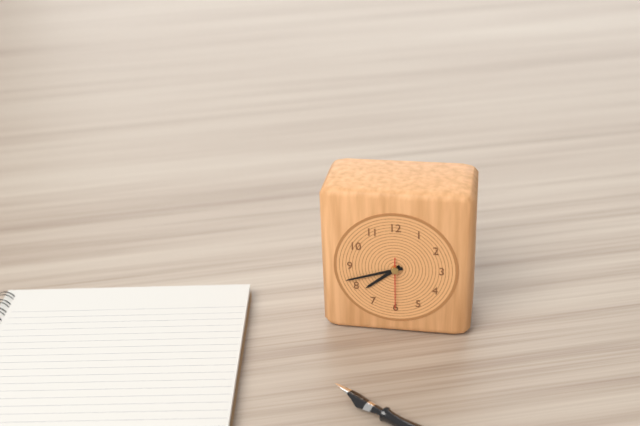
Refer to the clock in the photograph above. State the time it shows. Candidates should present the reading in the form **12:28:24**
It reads **7:42:30**
